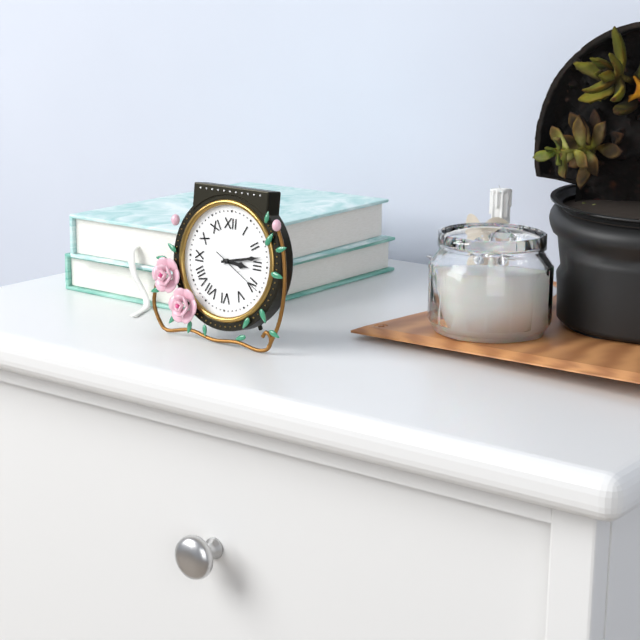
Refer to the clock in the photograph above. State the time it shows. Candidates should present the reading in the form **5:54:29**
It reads **3:13:20**
